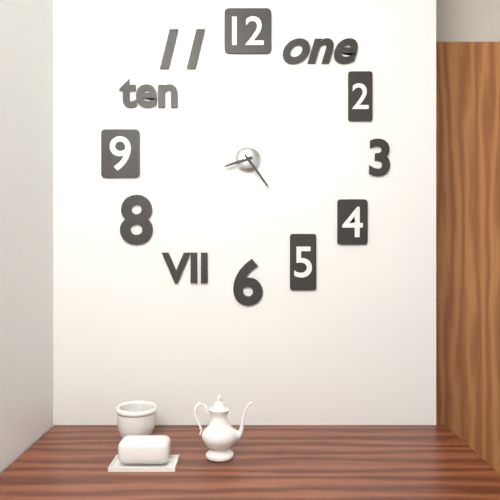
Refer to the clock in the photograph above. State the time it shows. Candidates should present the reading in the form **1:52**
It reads **8:24**
